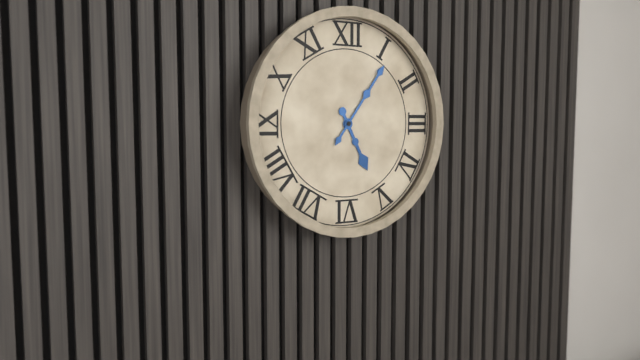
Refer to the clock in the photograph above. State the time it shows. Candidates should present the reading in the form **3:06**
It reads **5:06**
